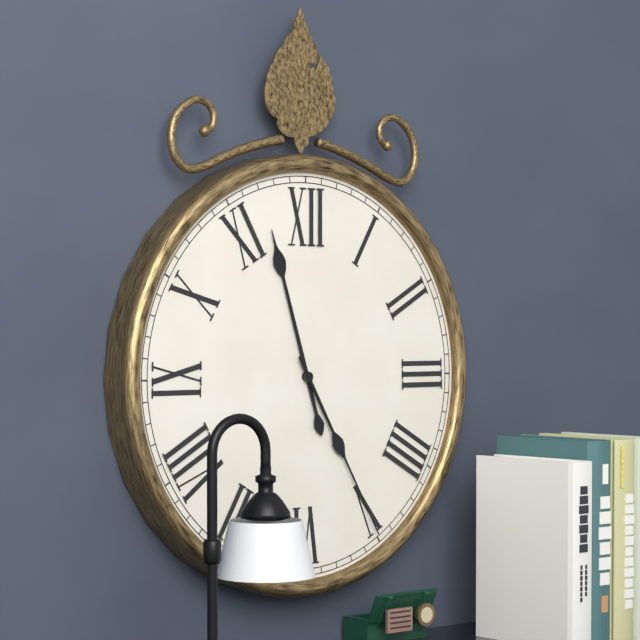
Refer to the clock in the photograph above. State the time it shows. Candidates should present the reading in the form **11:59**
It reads **11:25**
